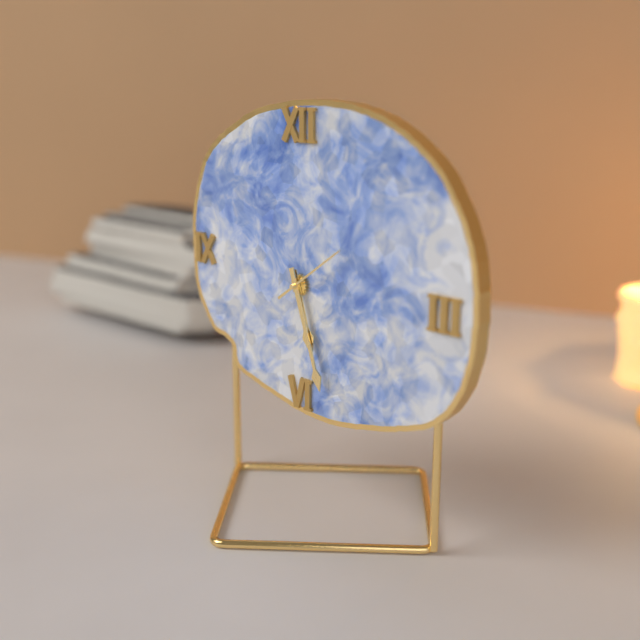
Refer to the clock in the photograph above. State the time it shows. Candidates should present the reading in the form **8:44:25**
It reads **5:27:09**
